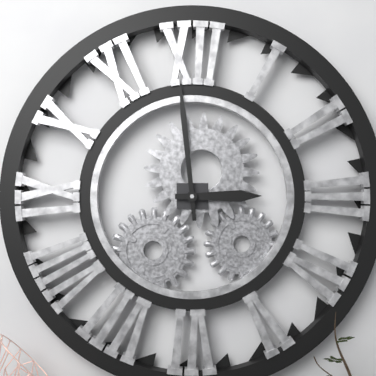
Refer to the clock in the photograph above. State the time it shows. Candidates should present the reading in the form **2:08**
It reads **2:59**
